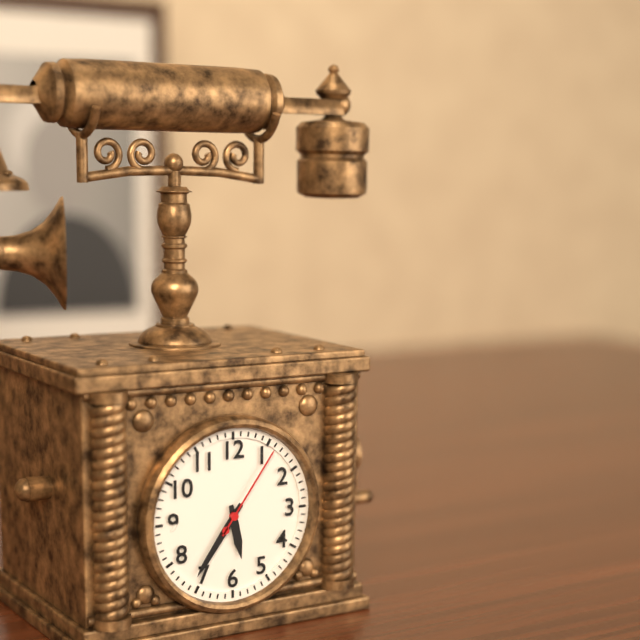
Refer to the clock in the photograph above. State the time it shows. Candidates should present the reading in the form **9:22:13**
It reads **5:36:06**
